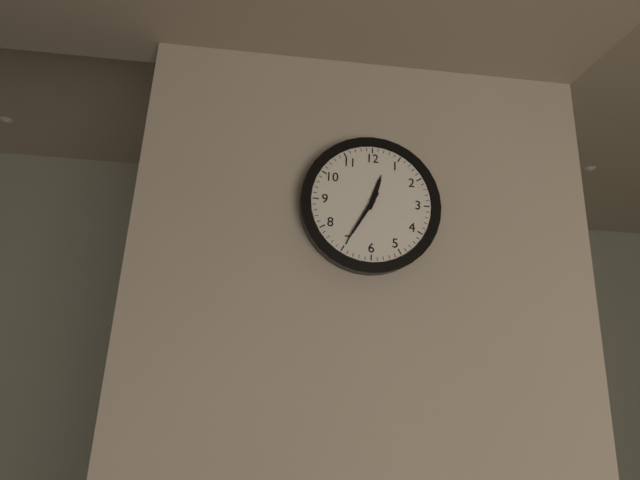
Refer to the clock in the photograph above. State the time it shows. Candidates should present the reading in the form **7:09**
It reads **12:35**
